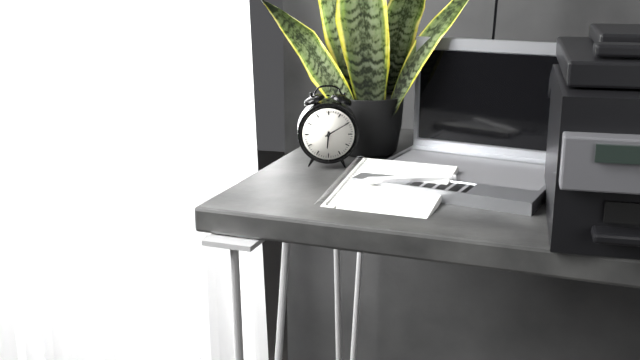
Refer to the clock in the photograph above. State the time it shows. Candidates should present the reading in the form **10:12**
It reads **6:10**
